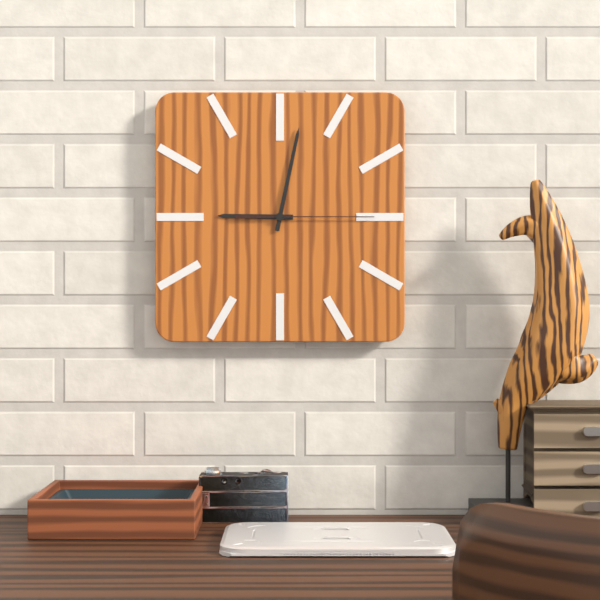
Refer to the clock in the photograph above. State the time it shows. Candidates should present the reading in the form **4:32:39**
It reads **9:02:15**
